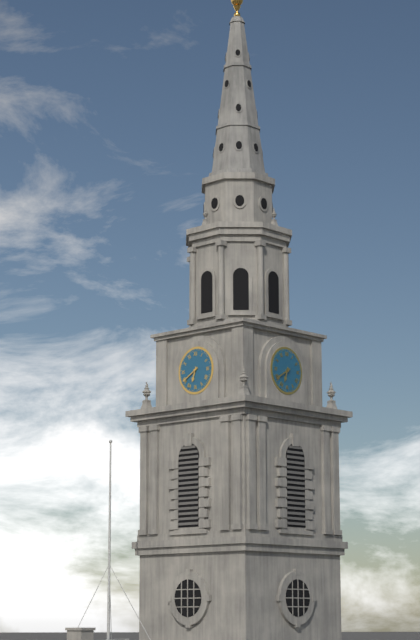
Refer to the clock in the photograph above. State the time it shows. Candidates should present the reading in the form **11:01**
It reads **6:40**
